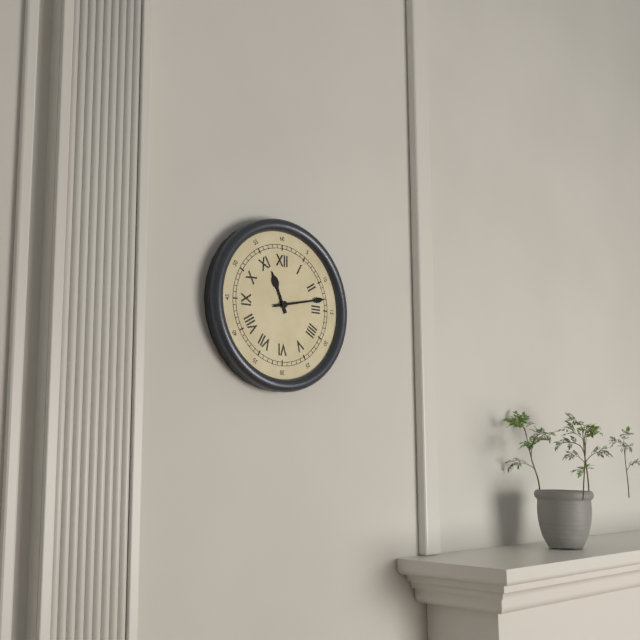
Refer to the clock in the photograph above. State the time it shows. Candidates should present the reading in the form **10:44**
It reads **11:13**
